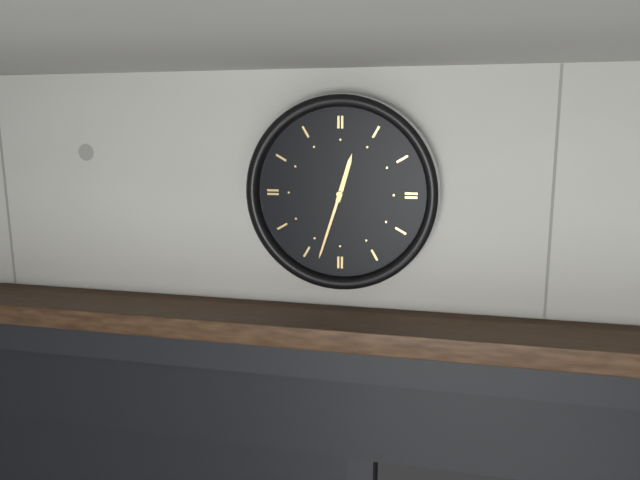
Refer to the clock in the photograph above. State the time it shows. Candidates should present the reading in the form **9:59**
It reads **12:33**
